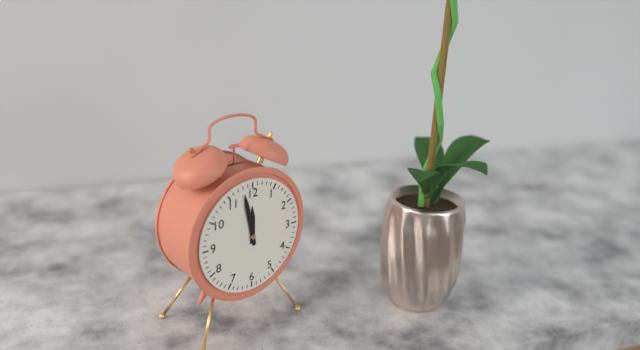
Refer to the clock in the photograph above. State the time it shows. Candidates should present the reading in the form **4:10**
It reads **11:58**
